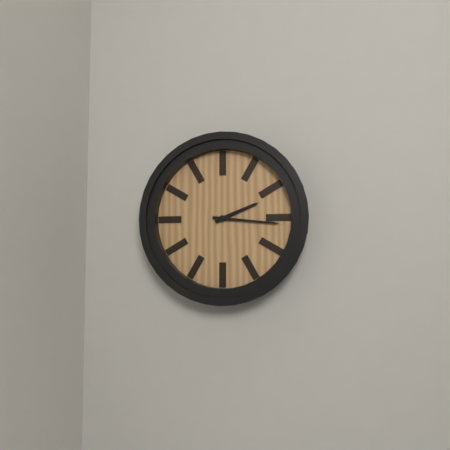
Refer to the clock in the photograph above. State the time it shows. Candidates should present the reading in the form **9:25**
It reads **2:16**
